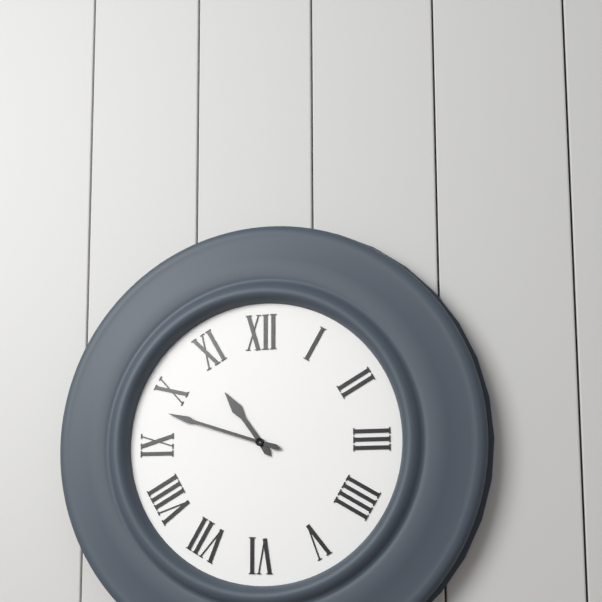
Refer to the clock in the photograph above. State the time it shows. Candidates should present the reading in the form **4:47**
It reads **10:48**
